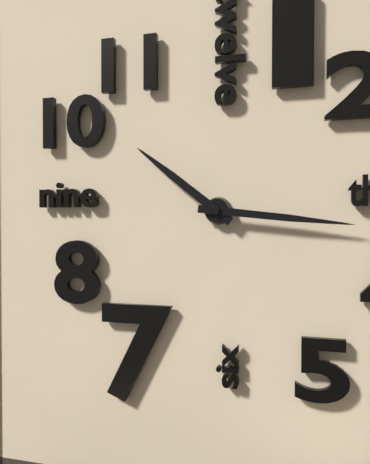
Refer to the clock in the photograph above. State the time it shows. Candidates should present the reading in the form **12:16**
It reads **10:16**
